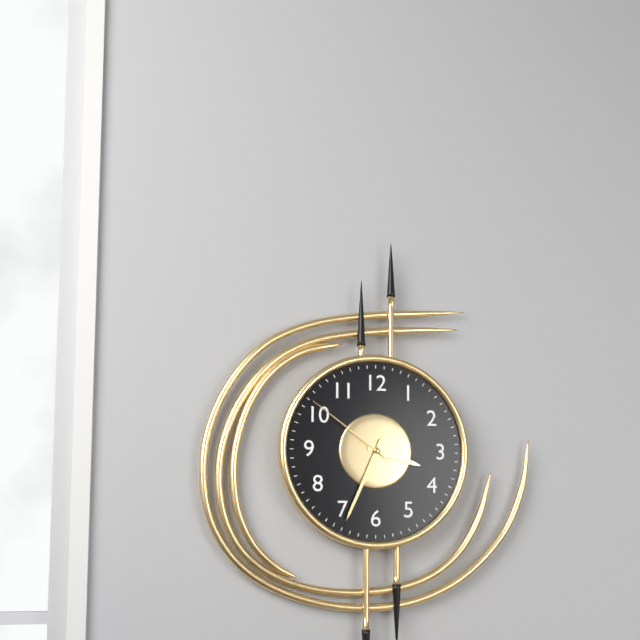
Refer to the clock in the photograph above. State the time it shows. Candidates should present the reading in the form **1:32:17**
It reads **3:34:51**
